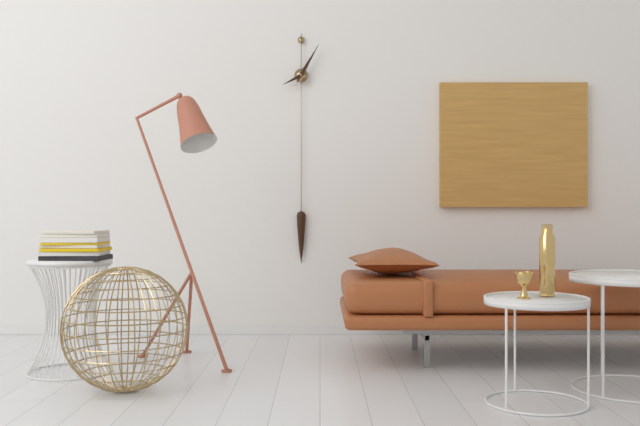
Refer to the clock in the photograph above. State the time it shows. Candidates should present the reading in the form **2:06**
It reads **8:05**
